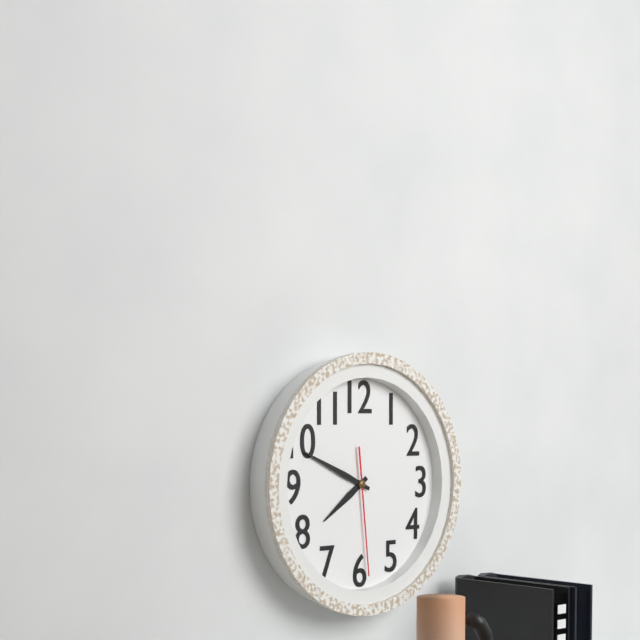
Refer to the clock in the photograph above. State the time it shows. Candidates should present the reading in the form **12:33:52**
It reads **7:49:29**
